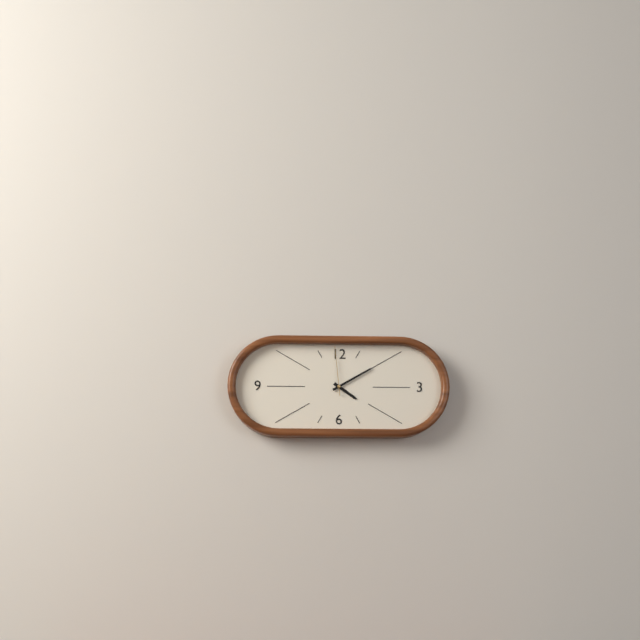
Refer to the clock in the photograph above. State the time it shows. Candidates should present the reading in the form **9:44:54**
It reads **4:10:59**
